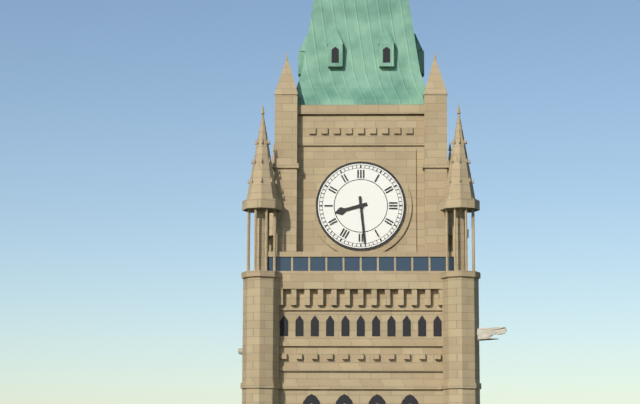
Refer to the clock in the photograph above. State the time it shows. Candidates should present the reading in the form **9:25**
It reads **8:29**
